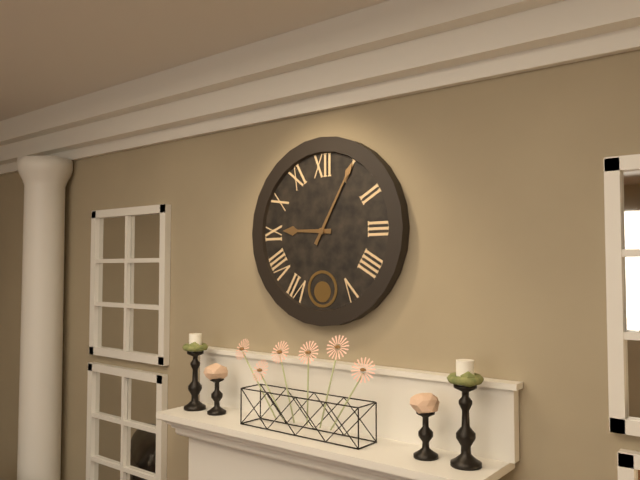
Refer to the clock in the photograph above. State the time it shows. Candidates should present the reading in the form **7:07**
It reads **9:05**
